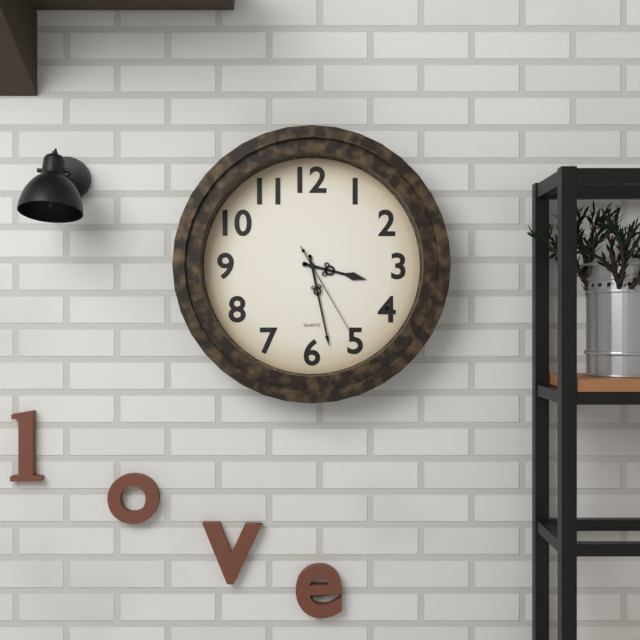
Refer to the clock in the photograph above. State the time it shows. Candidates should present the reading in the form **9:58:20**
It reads **3:28:25**
